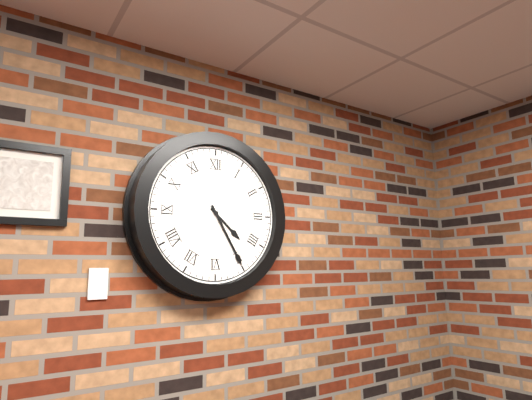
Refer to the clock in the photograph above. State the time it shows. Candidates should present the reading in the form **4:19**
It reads **4:25**
